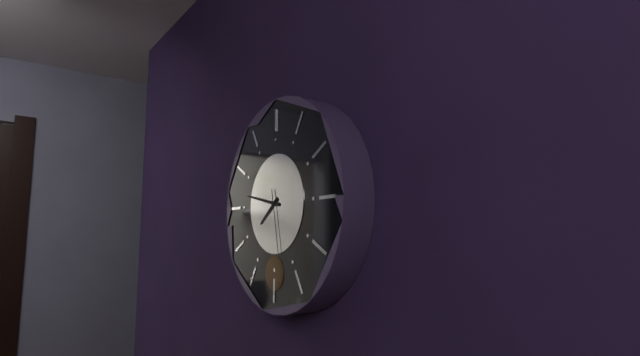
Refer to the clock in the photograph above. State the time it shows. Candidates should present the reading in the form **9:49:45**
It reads **7:47:28**
